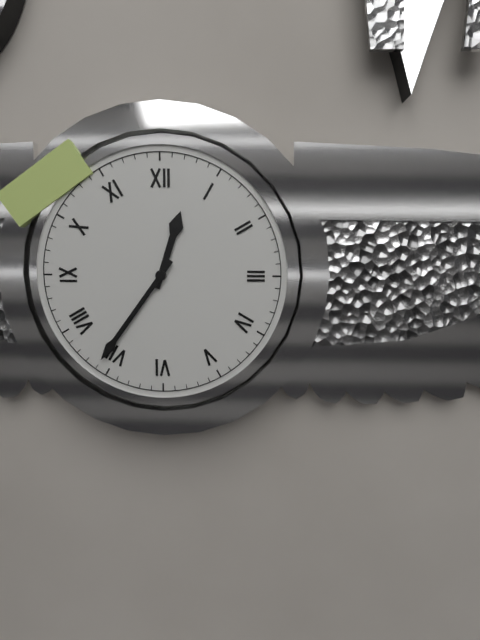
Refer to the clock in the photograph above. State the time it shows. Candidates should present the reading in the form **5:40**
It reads **12:36**
